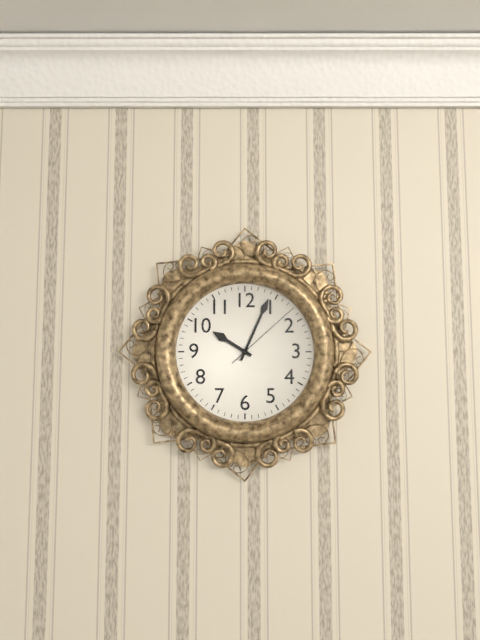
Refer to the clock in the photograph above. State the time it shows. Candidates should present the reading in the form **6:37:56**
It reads **10:04:08**
